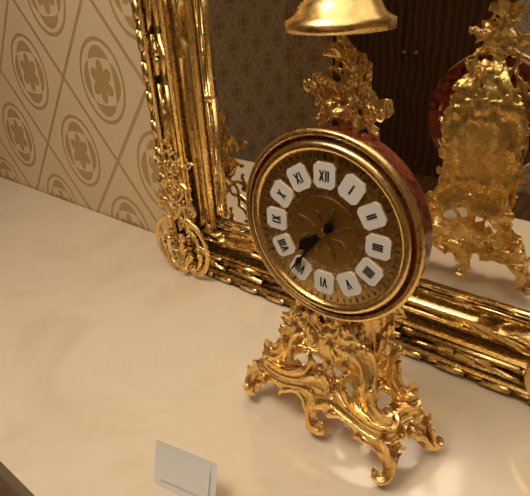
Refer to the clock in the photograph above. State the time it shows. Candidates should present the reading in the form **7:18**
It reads **7:36**
